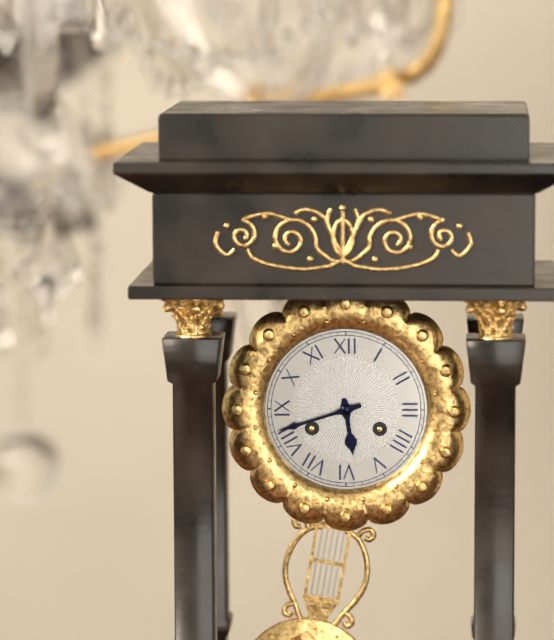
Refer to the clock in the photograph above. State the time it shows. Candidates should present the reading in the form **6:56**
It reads **5:42**
